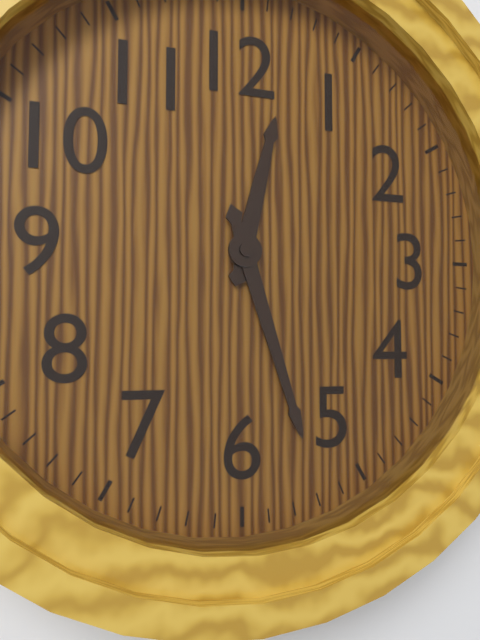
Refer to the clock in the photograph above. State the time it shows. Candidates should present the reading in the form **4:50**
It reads **12:27**
